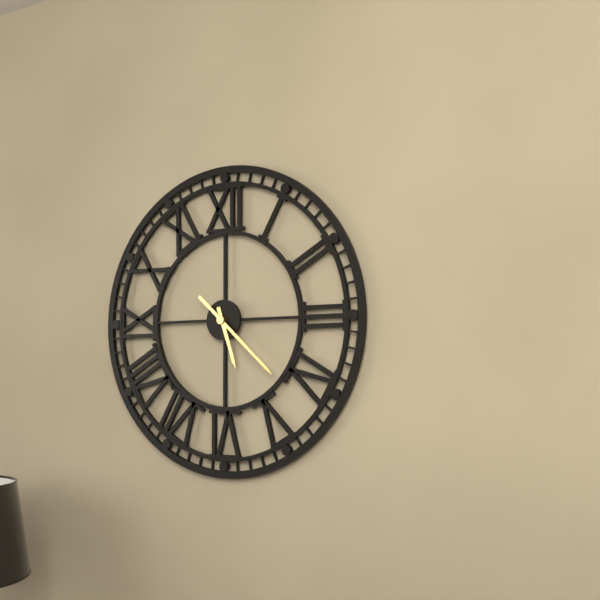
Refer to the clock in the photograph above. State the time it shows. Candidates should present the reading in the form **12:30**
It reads **5:22**
